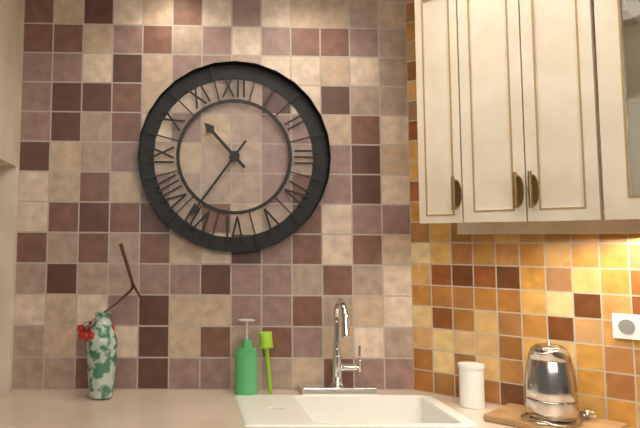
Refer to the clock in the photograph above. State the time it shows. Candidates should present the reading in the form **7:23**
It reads **10:36**
